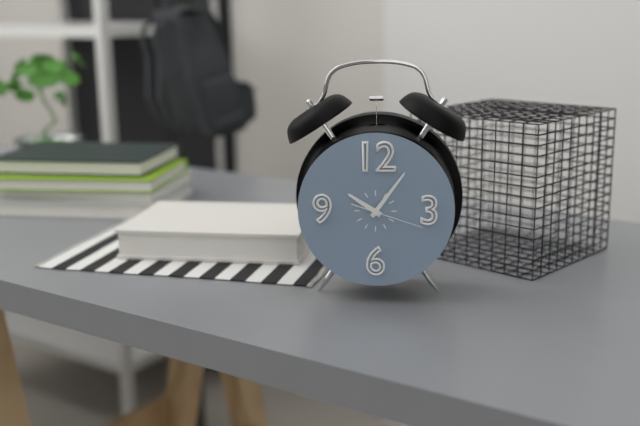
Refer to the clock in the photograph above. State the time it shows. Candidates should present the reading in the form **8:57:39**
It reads **10:06:18**
